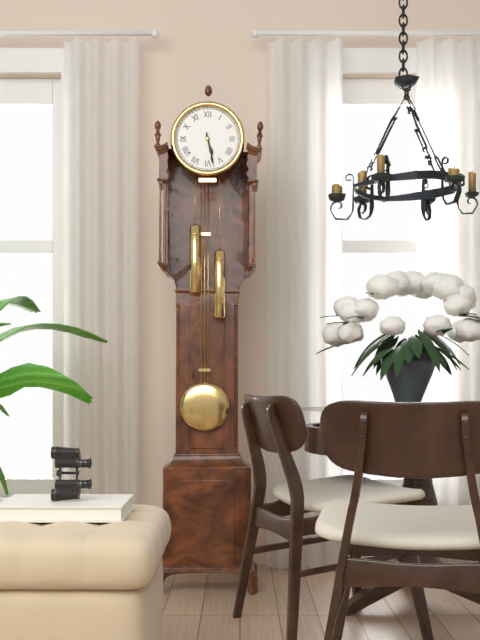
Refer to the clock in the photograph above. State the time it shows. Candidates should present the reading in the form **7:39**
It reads **5:28**
